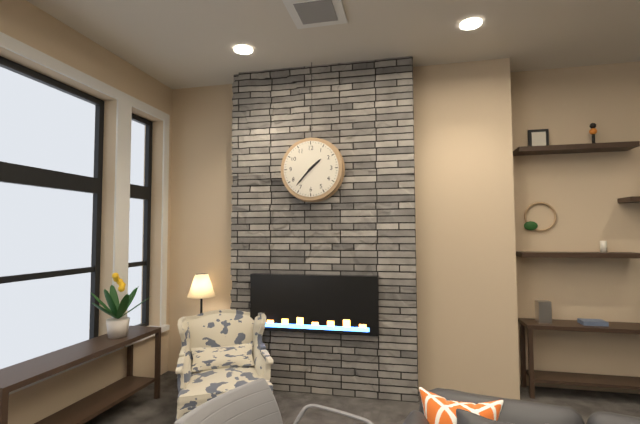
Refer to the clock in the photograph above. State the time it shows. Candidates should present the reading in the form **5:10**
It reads **1:37**
